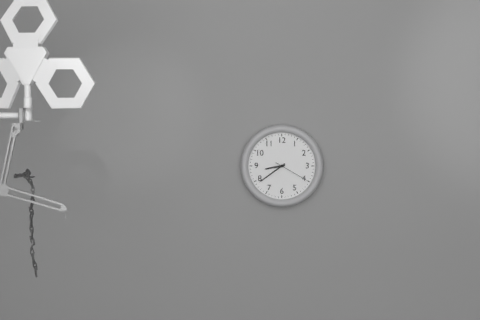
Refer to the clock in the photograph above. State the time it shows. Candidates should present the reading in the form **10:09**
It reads **8:39**
